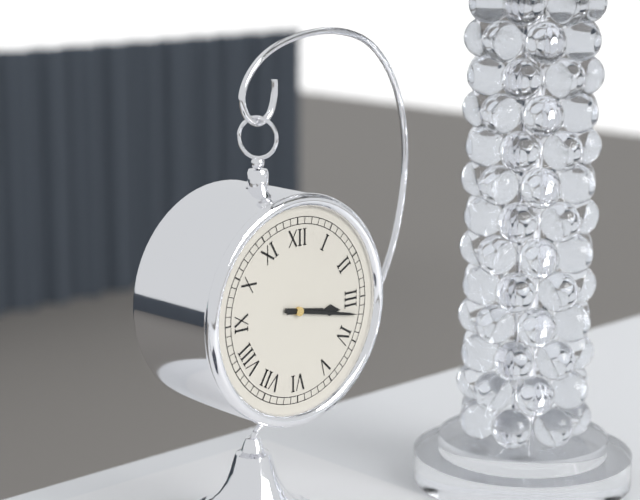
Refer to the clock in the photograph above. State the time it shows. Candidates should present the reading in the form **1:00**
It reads **3:17**
